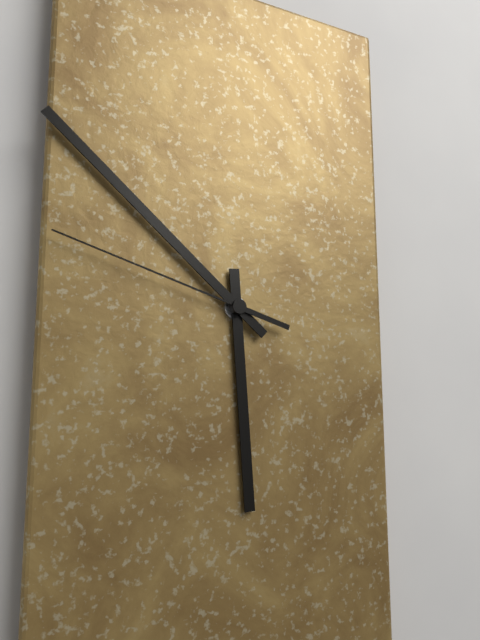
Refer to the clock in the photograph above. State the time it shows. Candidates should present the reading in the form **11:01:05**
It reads **5:52:48**
